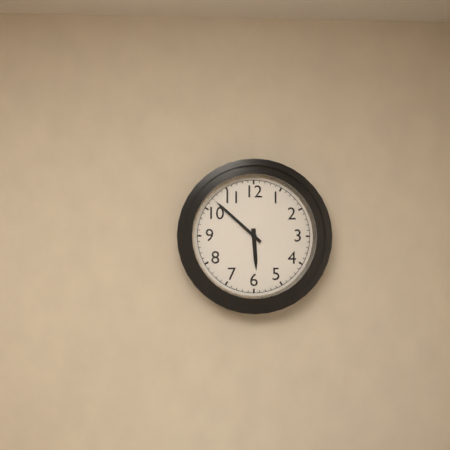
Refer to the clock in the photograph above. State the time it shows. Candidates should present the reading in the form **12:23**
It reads **5:52**
